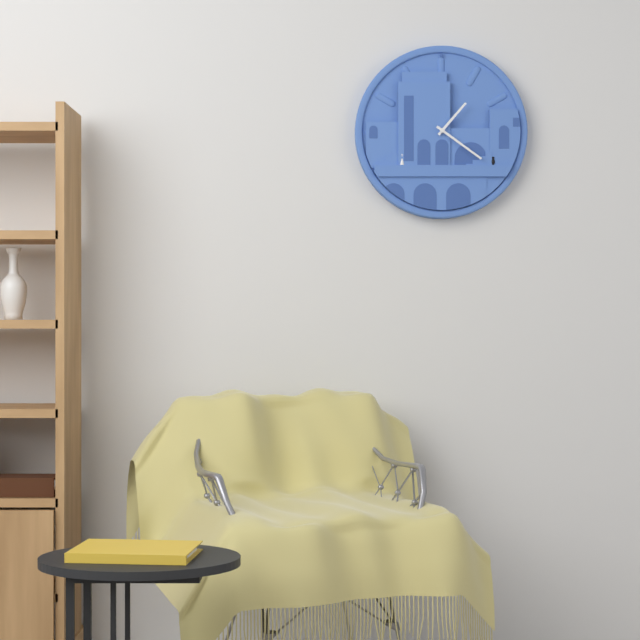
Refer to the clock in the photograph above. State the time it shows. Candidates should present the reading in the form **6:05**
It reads **1:21**
